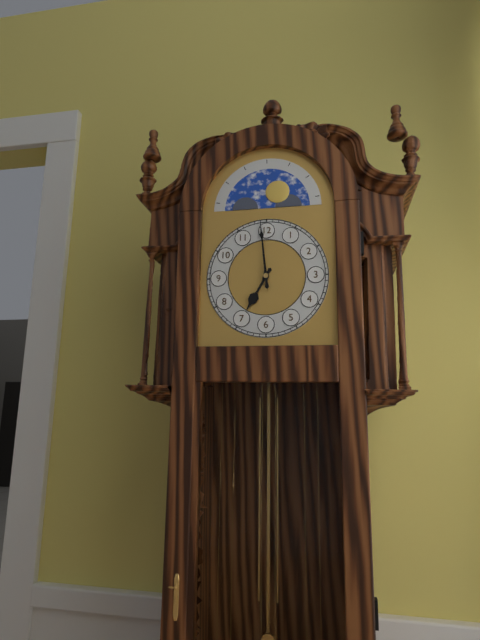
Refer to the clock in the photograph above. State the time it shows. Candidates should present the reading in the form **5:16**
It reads **6:59**
